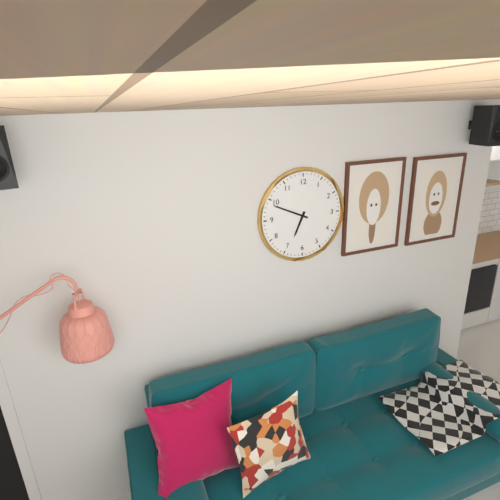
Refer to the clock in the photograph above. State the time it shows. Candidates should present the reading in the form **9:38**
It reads **6:49**
